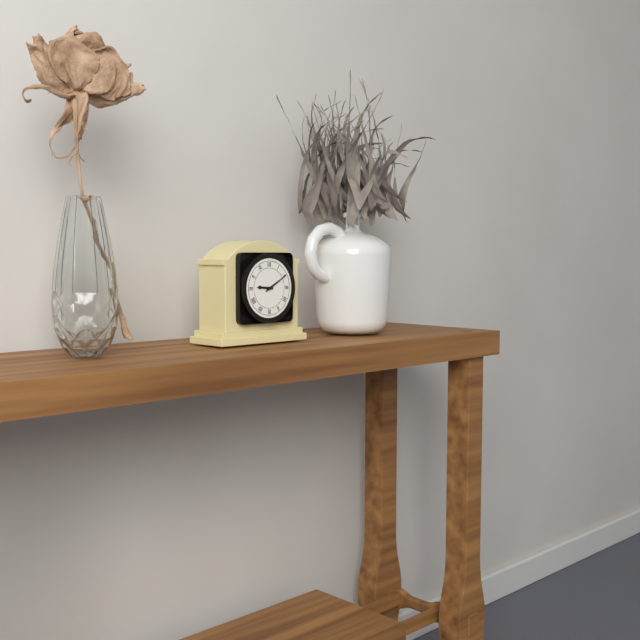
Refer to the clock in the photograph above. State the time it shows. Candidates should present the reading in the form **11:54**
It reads **9:10**
